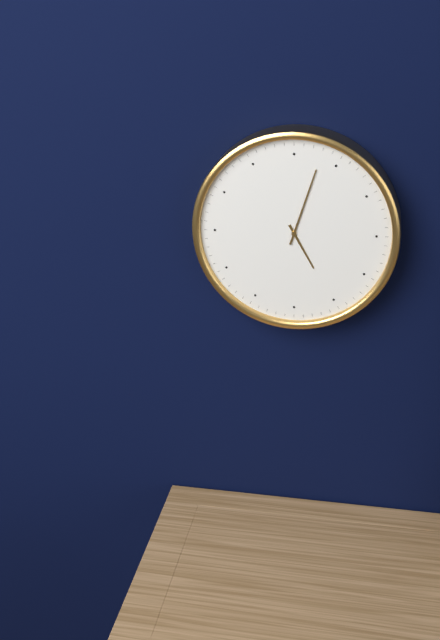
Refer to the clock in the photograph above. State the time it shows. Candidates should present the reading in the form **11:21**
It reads **5:03**
